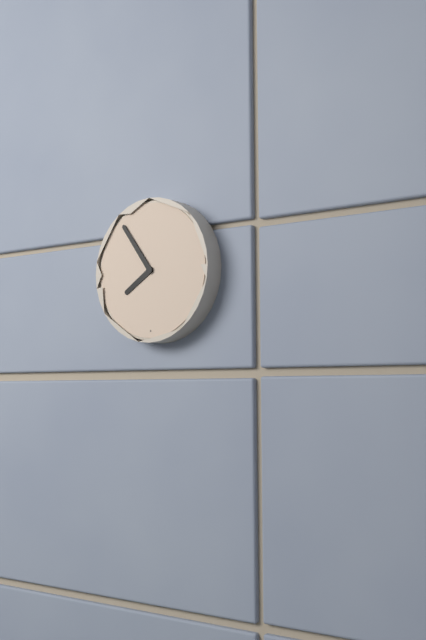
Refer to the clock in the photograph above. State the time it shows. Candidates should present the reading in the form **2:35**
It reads **7:54**
